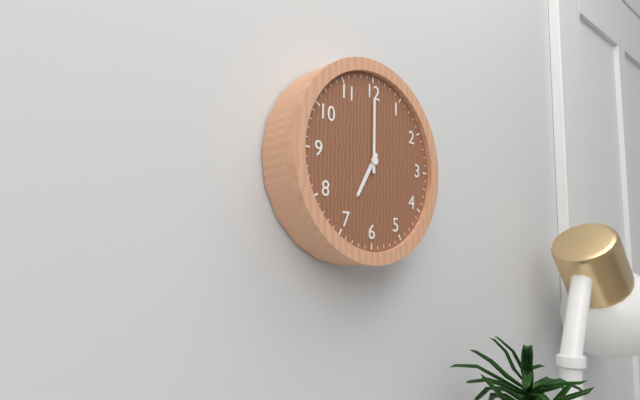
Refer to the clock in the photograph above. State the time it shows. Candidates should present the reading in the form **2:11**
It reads **7:00**
